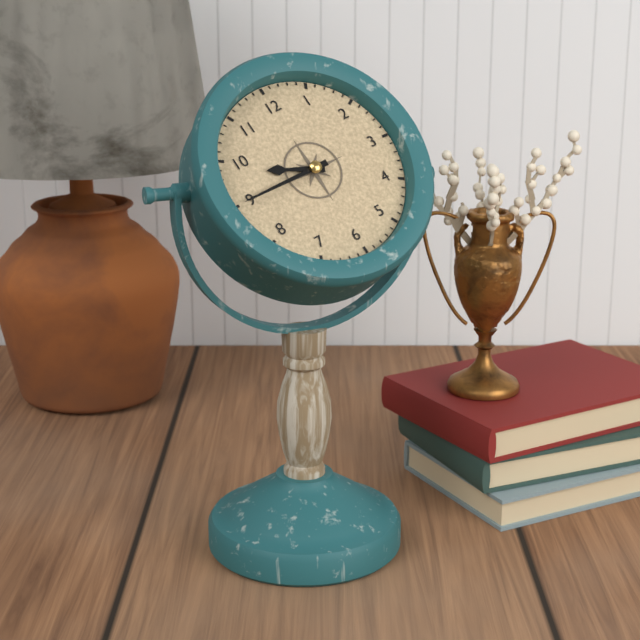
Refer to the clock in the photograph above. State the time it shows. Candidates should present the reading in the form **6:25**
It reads **9:45**
